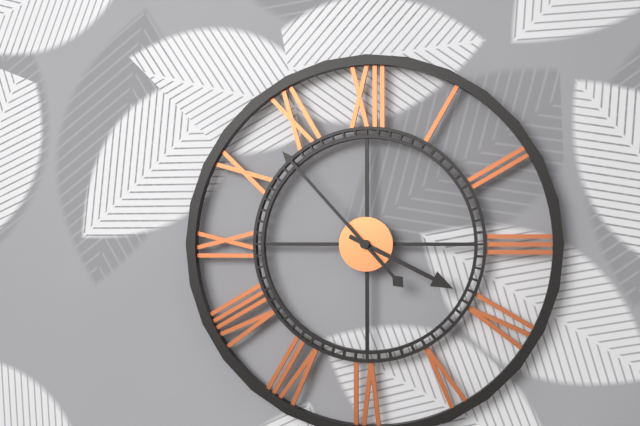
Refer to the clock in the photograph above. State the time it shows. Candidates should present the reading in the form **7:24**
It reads **3:53**
